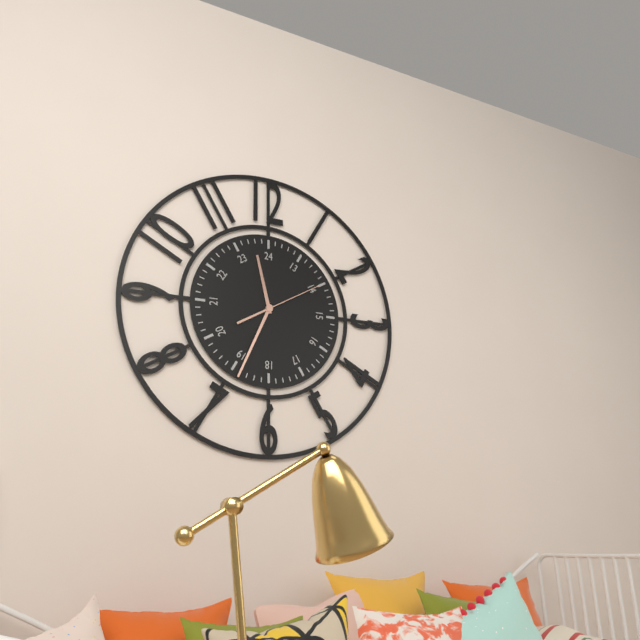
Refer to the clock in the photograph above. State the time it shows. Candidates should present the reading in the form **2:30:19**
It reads **11:34:10**
